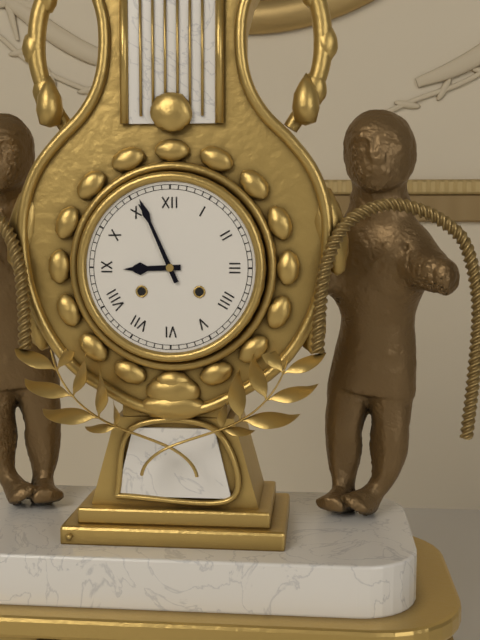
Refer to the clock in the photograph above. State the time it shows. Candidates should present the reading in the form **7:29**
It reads **8:56**
